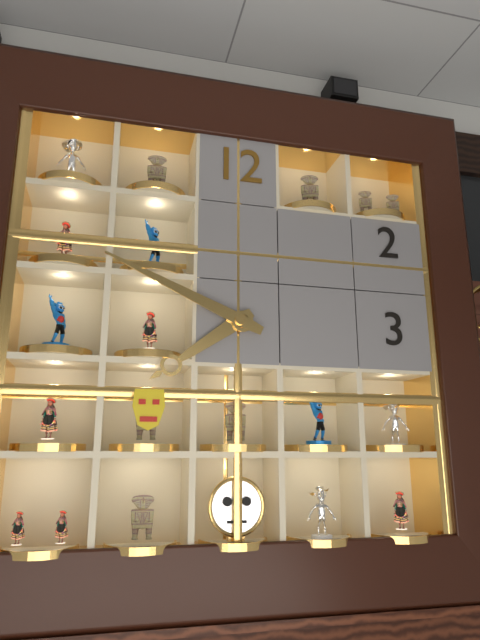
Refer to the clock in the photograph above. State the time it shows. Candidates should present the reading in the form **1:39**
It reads **7:49**
